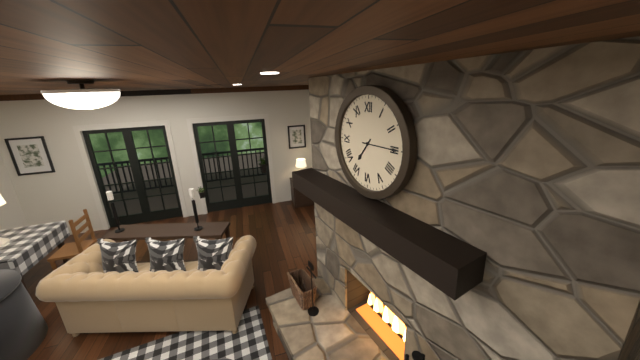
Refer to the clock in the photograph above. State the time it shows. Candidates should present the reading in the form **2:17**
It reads **7:15**
